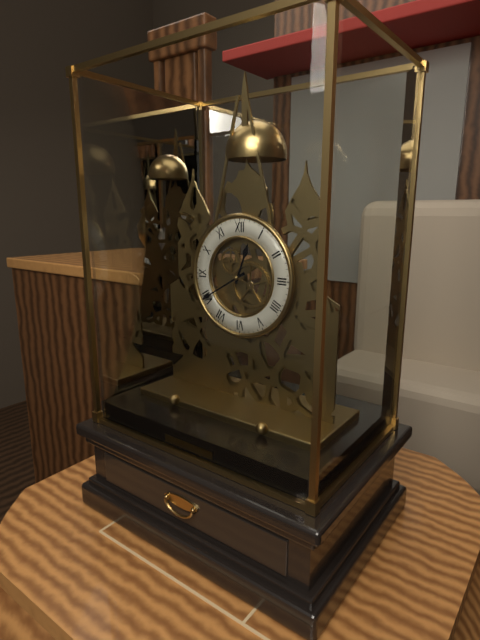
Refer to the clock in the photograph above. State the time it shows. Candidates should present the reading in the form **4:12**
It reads **12:40**
